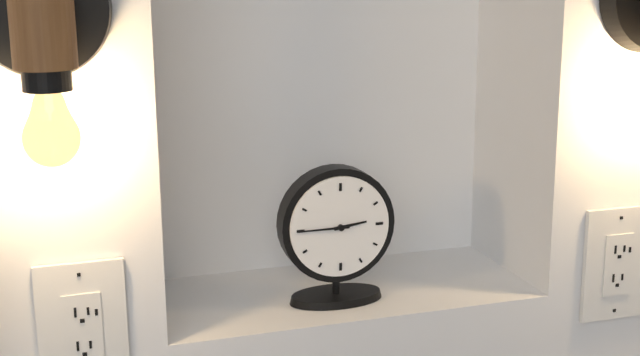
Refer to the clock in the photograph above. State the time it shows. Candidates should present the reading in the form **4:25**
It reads **2:45**
